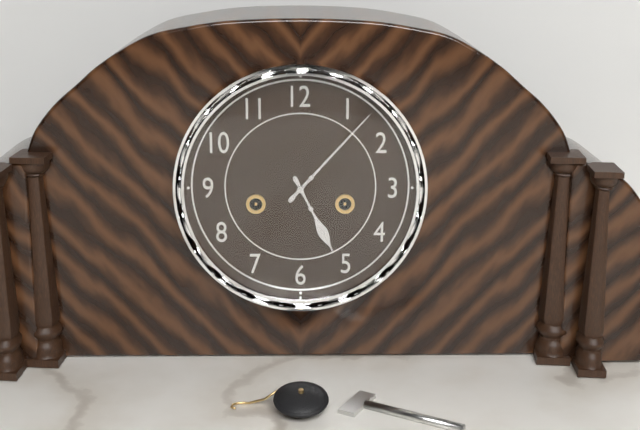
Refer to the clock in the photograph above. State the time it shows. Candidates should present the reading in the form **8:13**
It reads **5:07**
